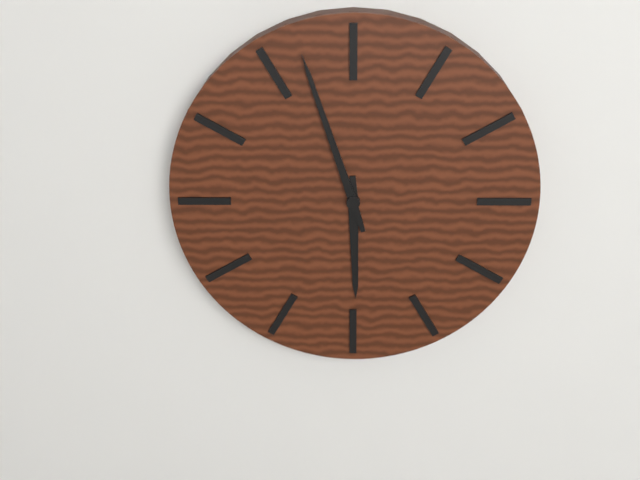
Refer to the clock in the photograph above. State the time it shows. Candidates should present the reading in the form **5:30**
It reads **5:57**
